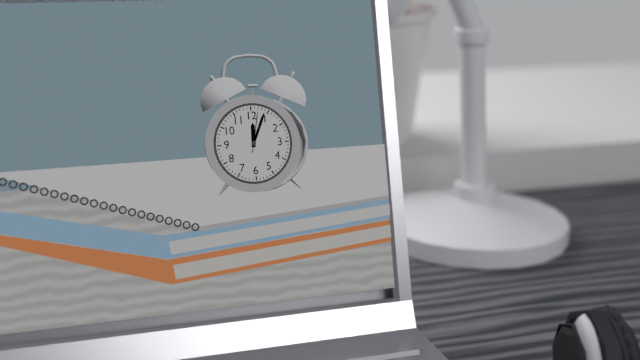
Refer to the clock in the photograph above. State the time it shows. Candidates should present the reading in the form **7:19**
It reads **12:04**
